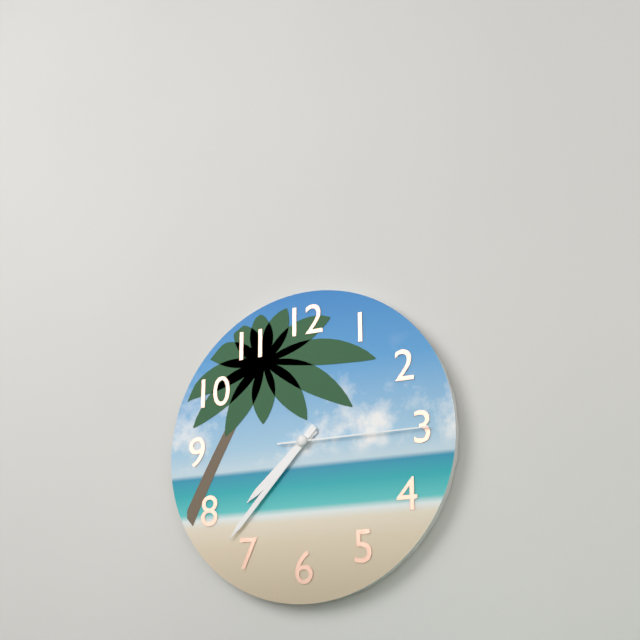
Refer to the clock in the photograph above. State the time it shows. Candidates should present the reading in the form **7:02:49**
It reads **7:37:15**
